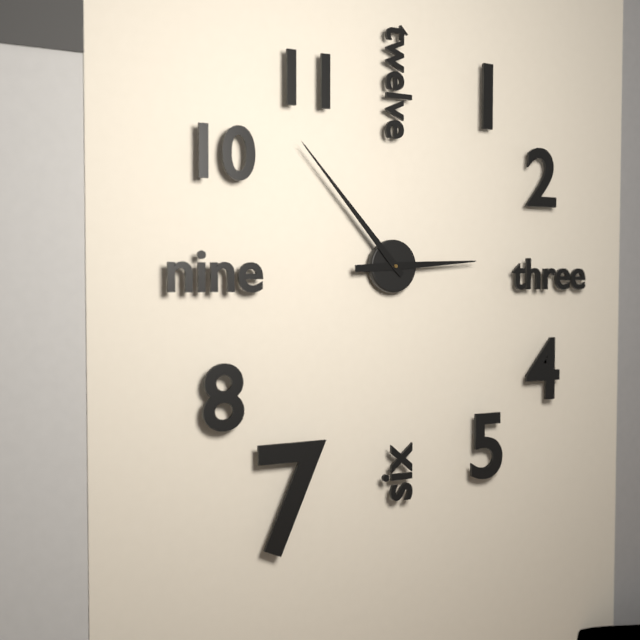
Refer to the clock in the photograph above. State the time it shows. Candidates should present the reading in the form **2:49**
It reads **2:53**
